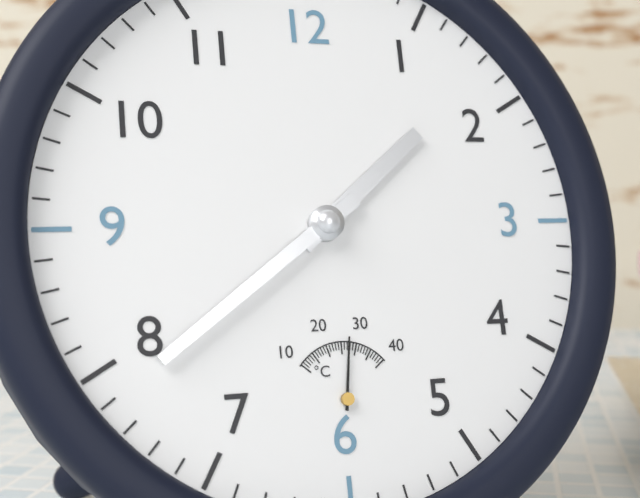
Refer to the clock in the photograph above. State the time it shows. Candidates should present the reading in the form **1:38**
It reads **1:39**
